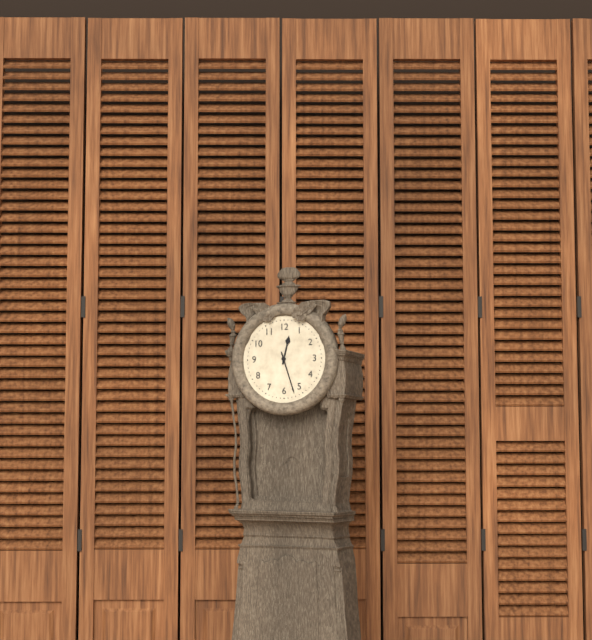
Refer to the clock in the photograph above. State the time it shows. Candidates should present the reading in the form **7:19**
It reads **12:27**
